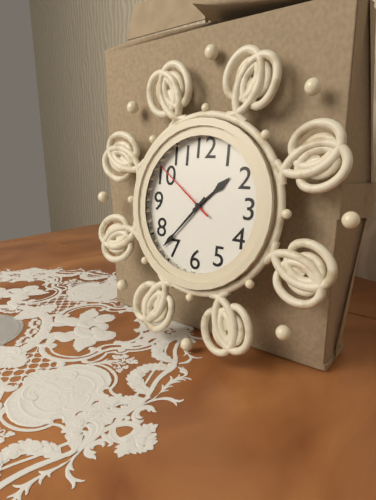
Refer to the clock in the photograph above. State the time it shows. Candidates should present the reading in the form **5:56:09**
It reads **1:37:51**
